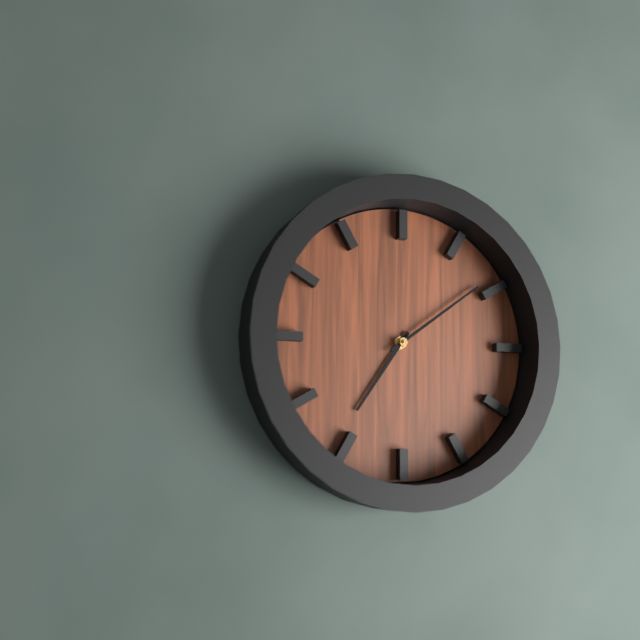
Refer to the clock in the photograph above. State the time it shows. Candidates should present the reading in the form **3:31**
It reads **7:09**
